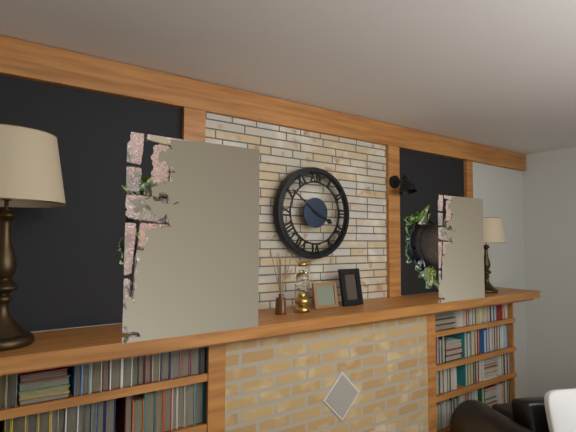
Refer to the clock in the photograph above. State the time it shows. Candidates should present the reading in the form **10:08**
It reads **3:51**
